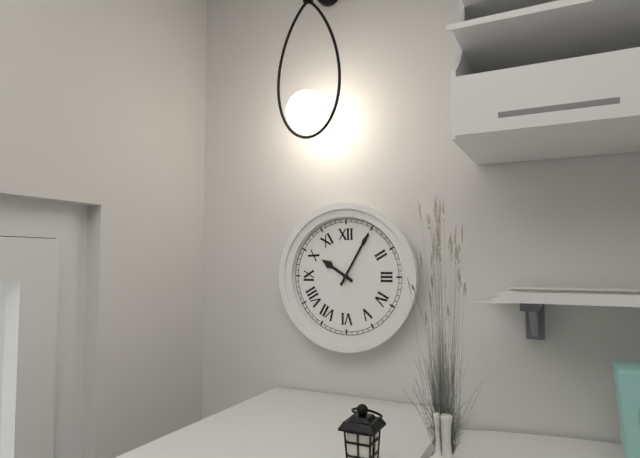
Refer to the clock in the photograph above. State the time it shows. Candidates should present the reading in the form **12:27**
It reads **10:05**
